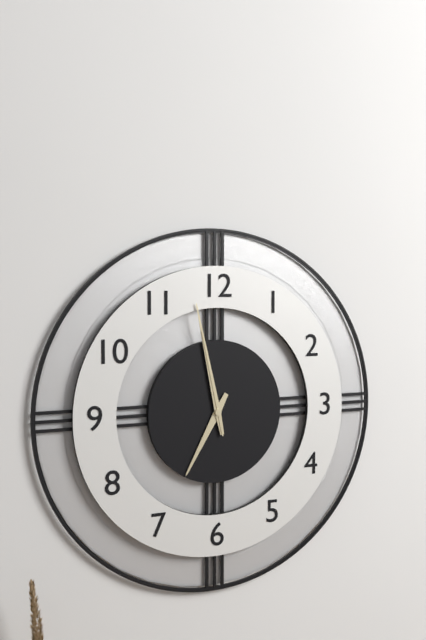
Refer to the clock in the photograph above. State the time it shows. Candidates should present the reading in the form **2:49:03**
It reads **6:58:58**
